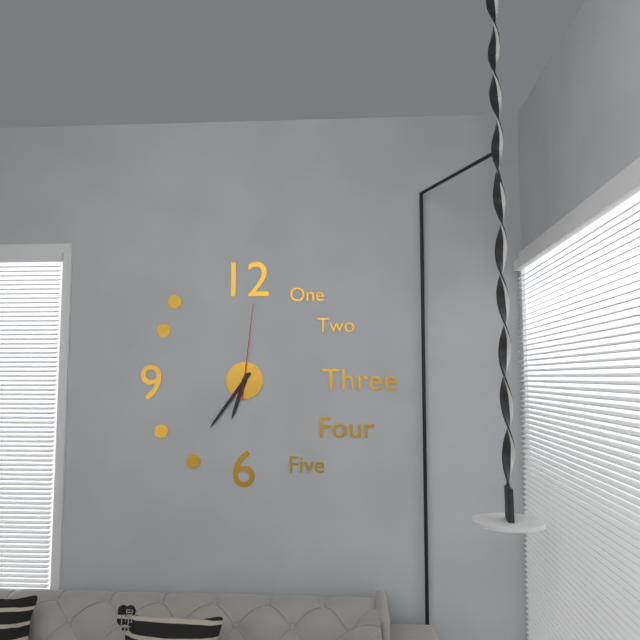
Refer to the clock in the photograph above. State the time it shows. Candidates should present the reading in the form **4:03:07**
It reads **6:36:01**
